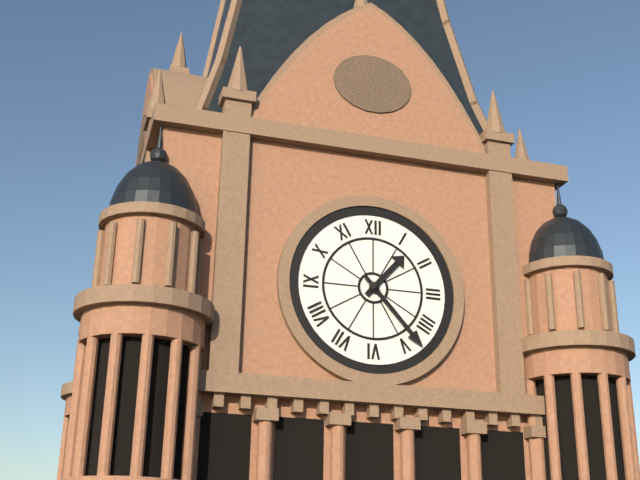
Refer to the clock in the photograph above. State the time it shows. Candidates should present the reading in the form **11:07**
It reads **1:23**
